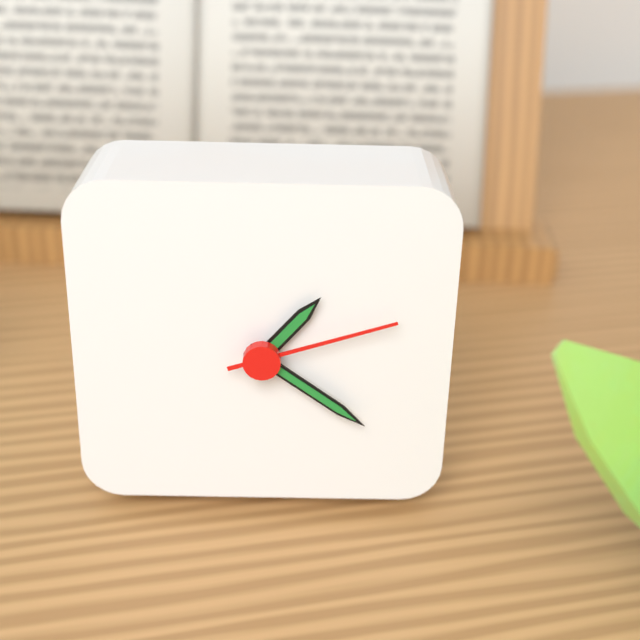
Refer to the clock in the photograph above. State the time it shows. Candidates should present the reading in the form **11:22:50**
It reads **1:21:12**
